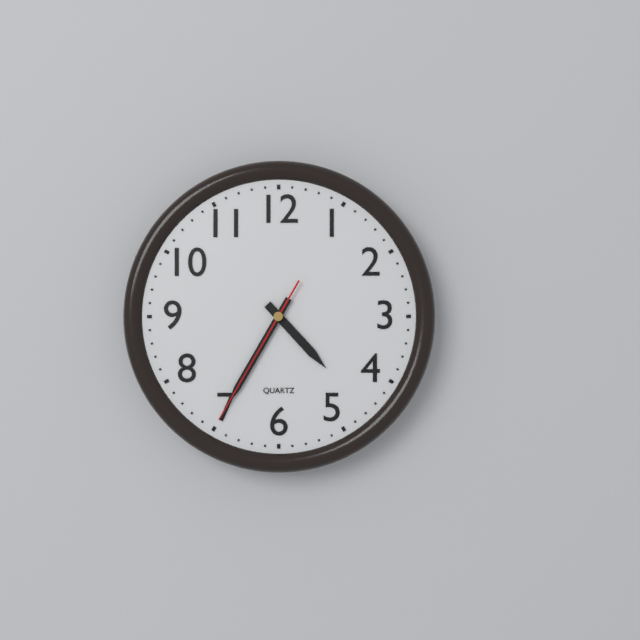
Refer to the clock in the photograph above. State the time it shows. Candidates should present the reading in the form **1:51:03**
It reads **4:35:35**
